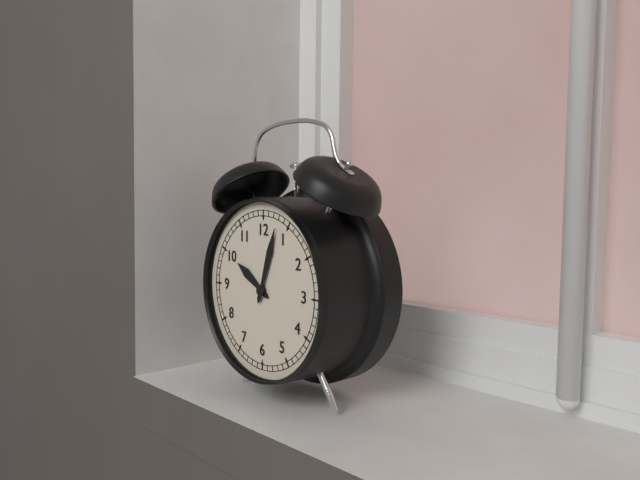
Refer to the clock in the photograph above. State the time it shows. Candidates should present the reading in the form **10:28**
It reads **10:03**
